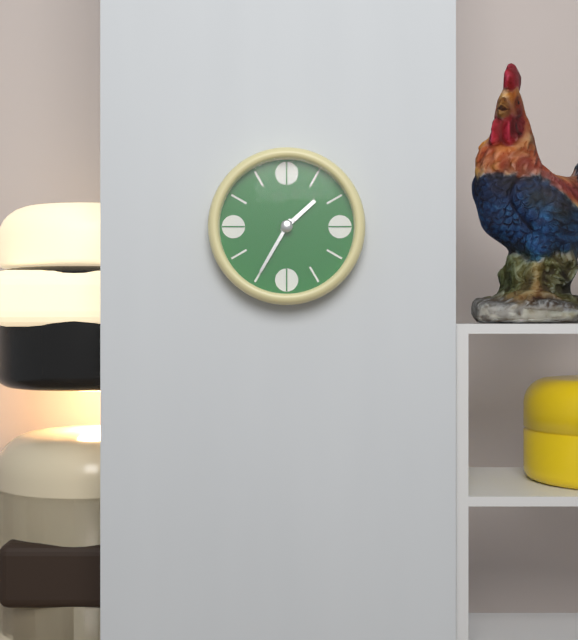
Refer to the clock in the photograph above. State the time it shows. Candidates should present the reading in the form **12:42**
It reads **1:35**
